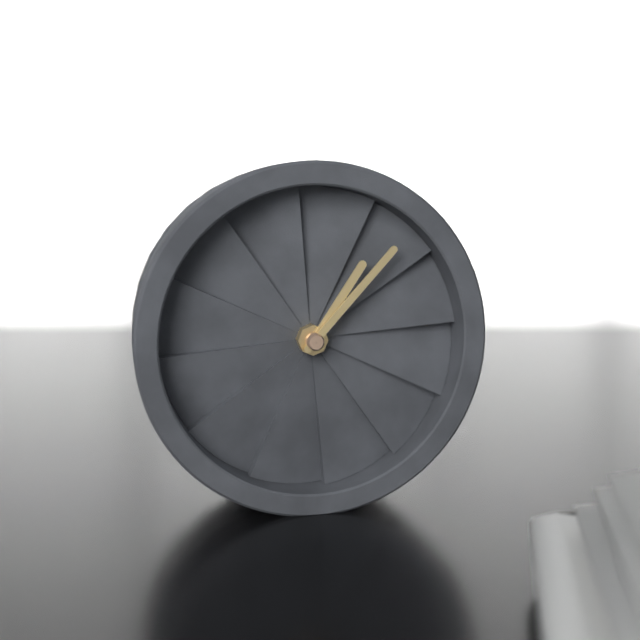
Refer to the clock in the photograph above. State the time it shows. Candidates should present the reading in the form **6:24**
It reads **1:07**
